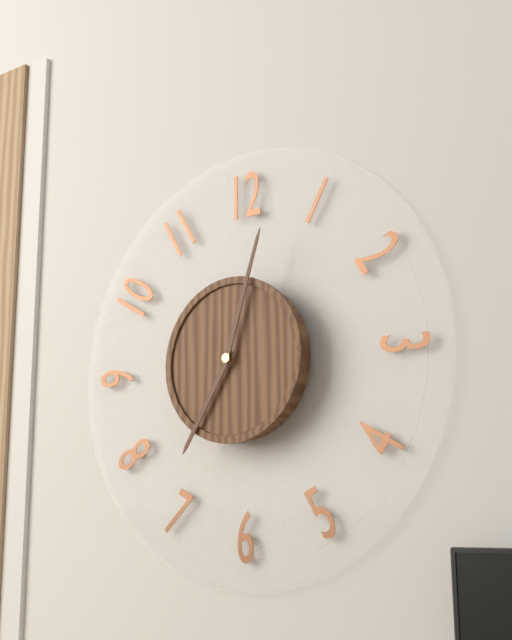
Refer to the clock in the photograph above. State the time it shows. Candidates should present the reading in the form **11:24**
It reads **7:03**
